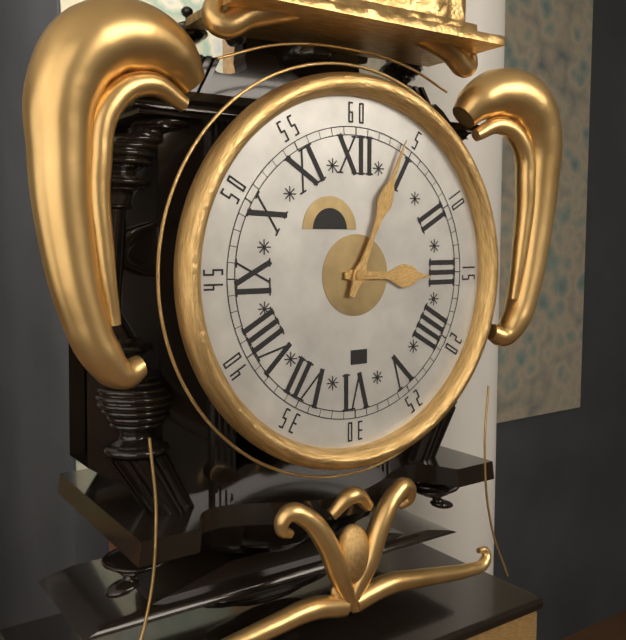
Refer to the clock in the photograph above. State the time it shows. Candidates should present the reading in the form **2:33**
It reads **3:04**
